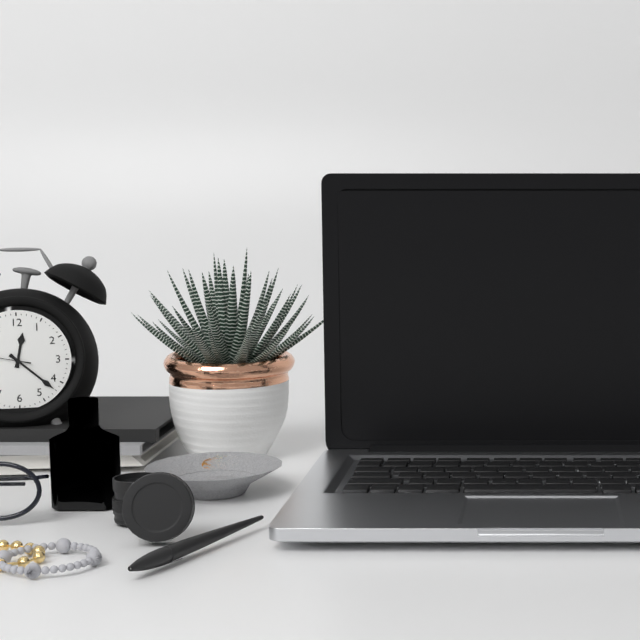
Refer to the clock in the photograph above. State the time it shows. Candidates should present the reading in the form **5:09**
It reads **12:22**
